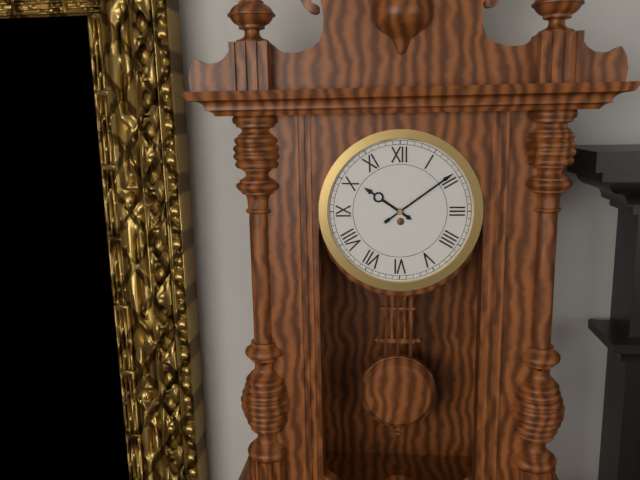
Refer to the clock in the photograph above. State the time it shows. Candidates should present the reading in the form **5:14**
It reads **10:09**
